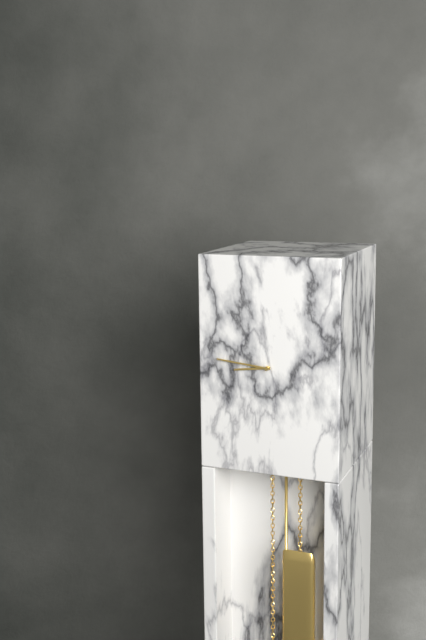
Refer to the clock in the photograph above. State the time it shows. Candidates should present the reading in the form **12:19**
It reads **8:46**
